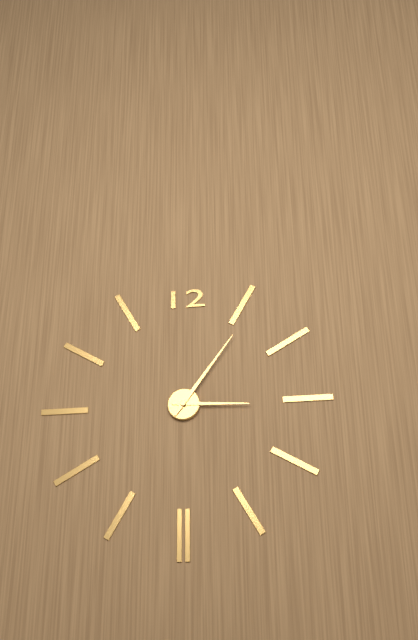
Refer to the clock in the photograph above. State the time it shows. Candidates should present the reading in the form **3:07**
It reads **3:06**
